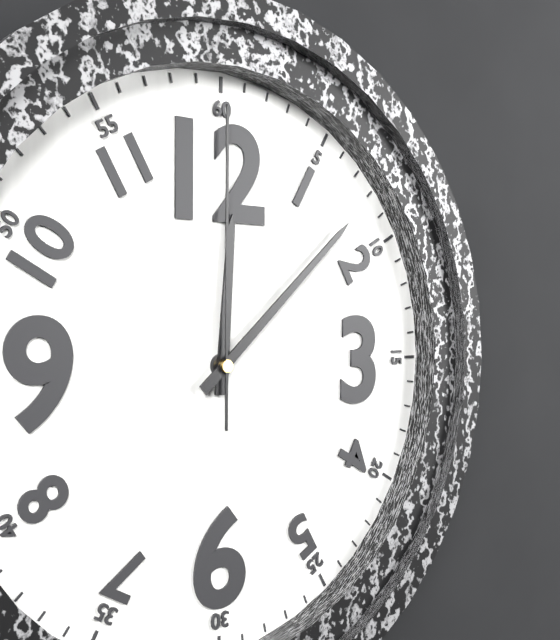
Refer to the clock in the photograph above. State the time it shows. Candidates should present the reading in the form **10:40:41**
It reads **12:08:00**
